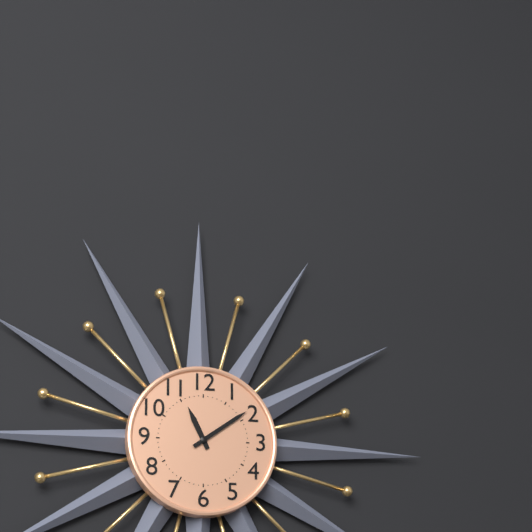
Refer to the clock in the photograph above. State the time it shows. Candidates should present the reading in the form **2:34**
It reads **11:09**
